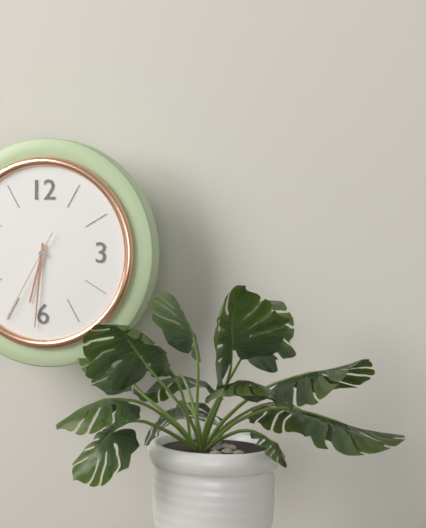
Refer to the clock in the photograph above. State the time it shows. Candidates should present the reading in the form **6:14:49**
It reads **6:31:35**
